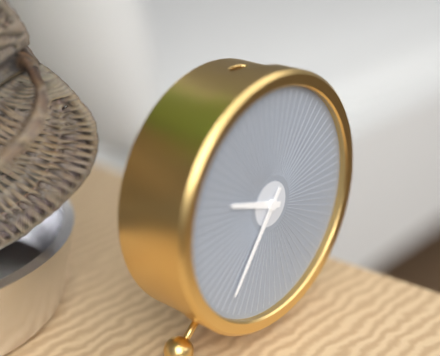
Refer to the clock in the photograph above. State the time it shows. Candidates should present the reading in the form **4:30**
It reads **9:36**
